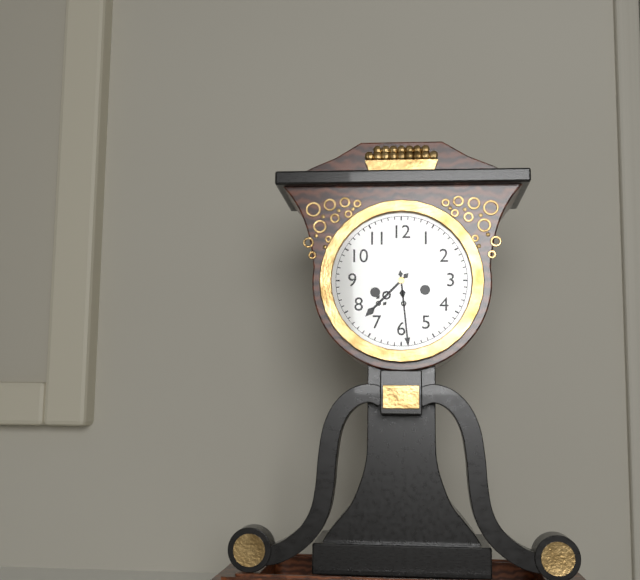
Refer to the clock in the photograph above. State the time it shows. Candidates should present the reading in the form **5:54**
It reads **7:29**
